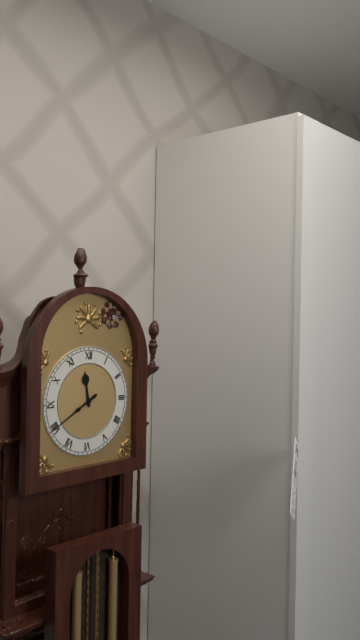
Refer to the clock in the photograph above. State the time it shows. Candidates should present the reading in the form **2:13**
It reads **11:40**
